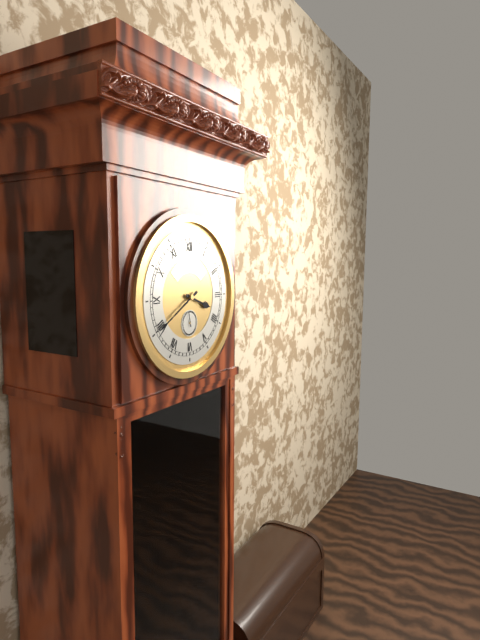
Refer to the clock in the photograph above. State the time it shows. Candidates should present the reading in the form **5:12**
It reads **3:40**
